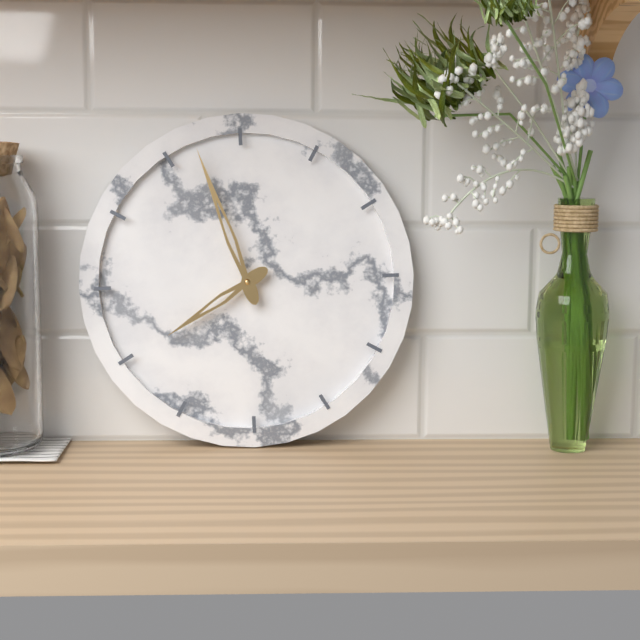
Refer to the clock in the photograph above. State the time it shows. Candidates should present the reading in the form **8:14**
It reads **7:57**
